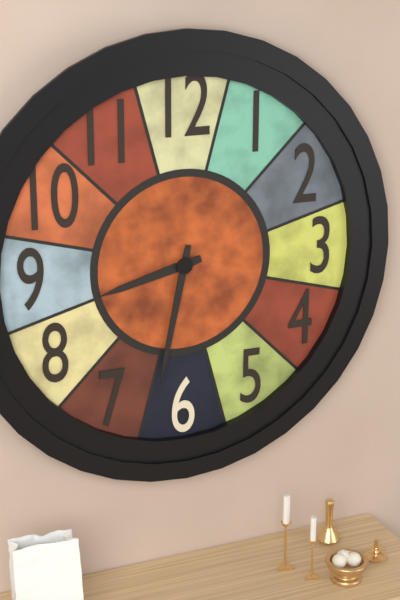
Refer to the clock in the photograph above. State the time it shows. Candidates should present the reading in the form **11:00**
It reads **8:32**
